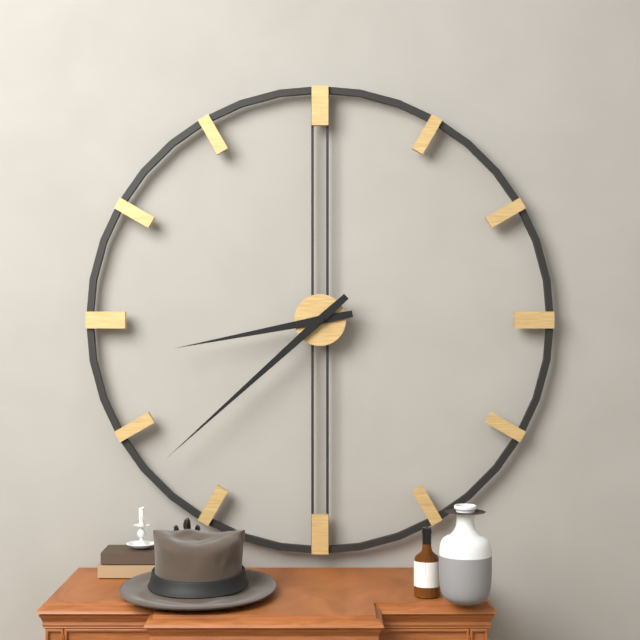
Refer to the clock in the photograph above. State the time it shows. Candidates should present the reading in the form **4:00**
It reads **8:38**
